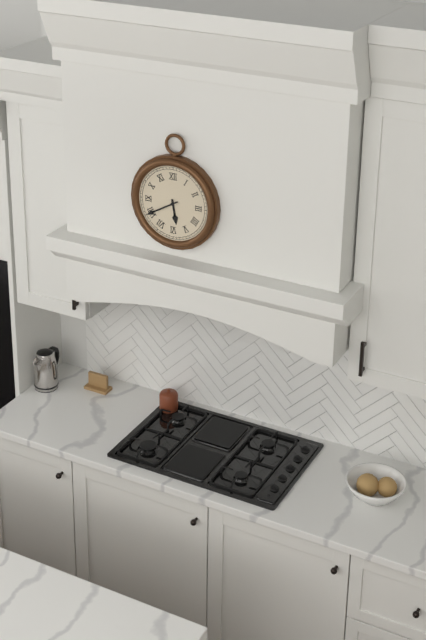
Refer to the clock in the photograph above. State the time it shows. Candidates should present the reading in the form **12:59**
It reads **5:40**
